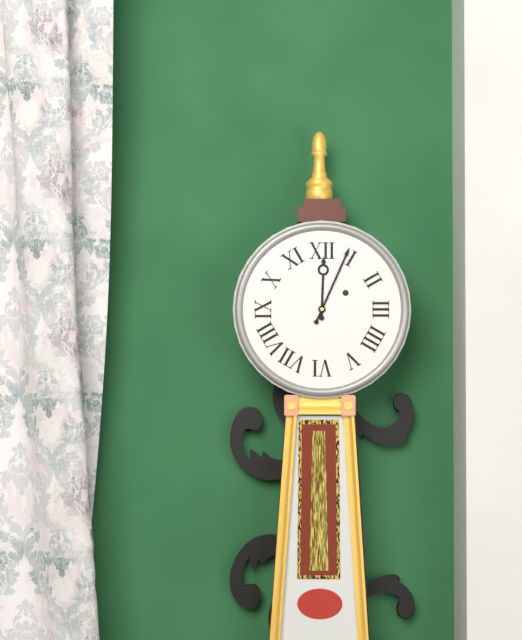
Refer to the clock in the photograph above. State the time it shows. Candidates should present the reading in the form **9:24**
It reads **12:04**
